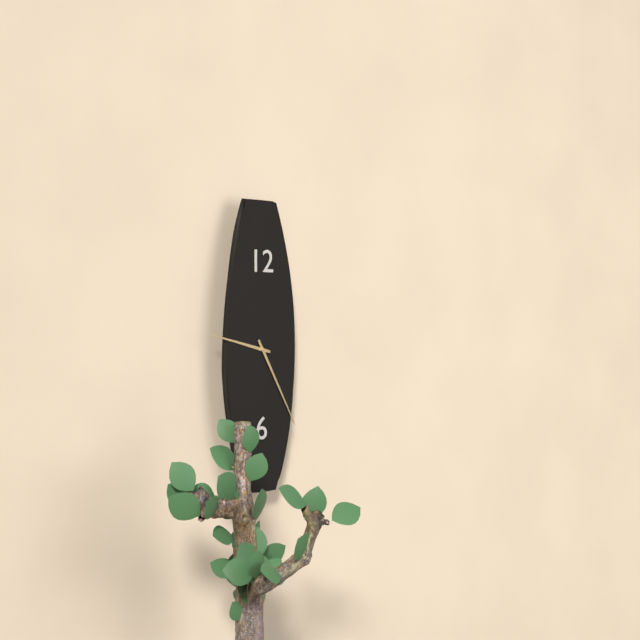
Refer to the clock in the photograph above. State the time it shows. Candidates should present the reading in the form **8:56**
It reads **9:25**
